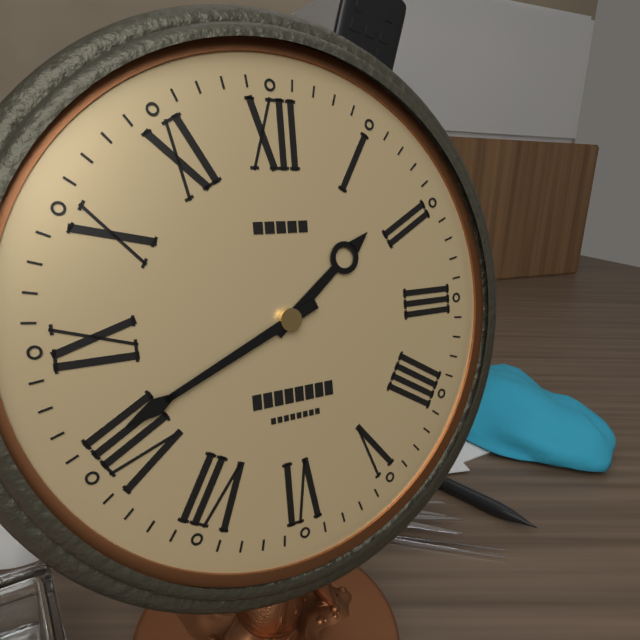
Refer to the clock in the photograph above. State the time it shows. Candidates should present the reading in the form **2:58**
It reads **1:41**
